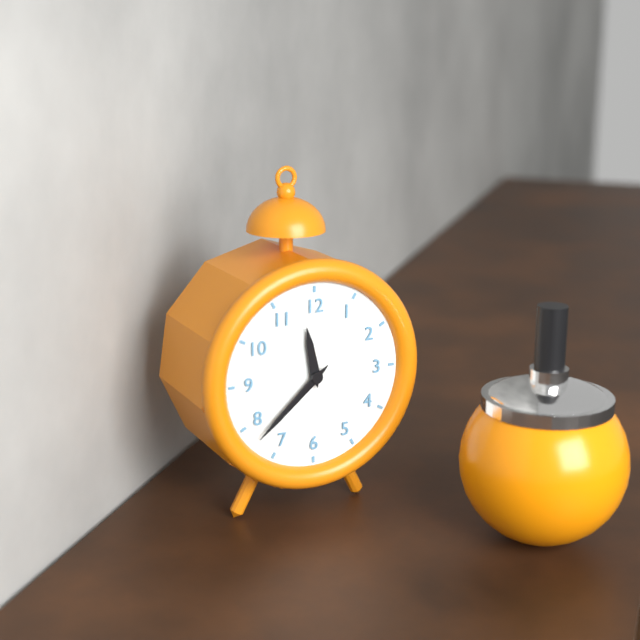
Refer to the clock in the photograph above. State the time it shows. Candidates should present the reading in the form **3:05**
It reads **11:38**
